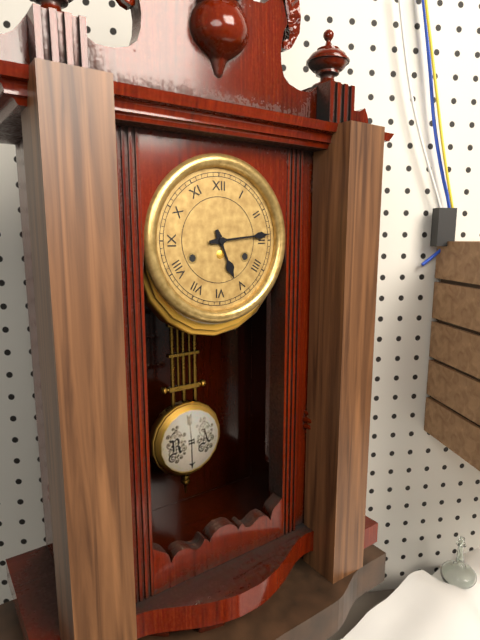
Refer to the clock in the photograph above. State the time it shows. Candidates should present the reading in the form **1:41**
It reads **5:14**
